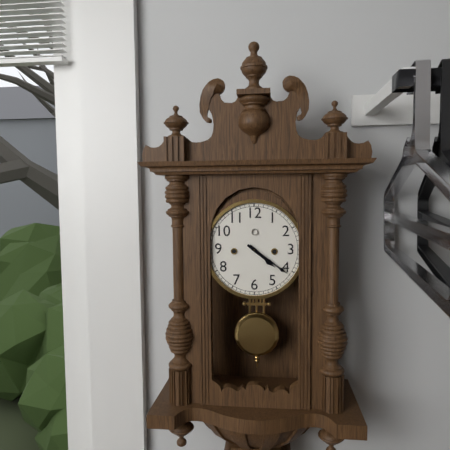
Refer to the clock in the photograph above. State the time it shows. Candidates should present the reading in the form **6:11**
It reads **4:21**
